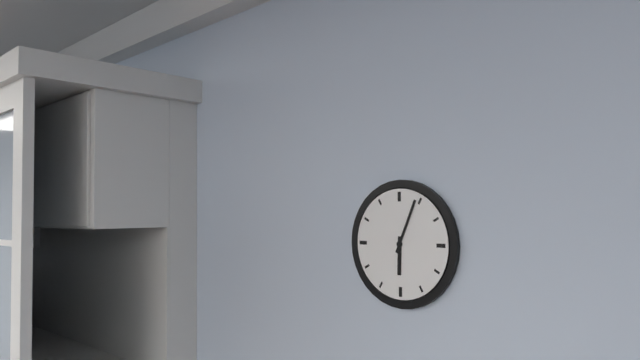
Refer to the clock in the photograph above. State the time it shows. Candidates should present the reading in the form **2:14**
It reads **6:04**
